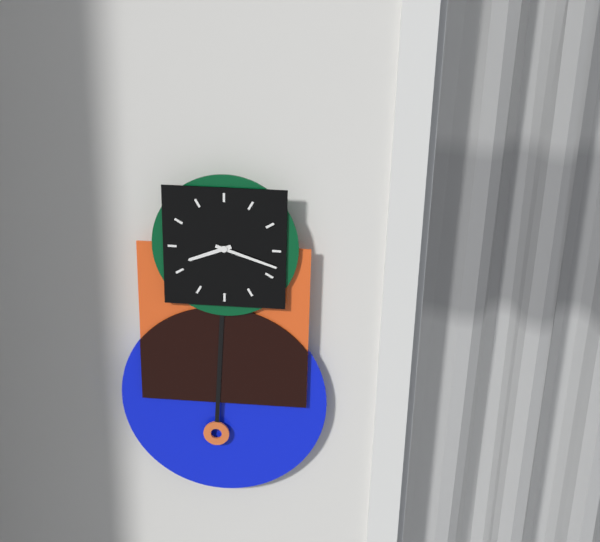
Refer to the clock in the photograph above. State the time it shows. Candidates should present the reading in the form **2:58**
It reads **8:18**
